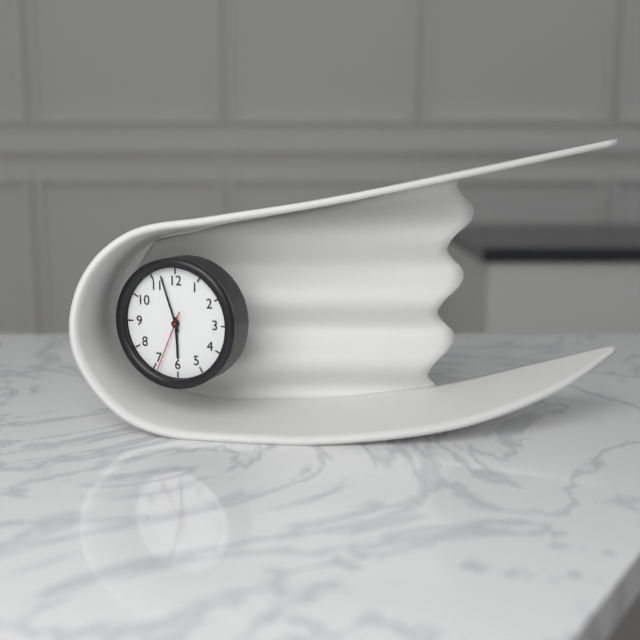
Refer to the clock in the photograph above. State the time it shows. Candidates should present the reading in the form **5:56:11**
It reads **5:57:34**
